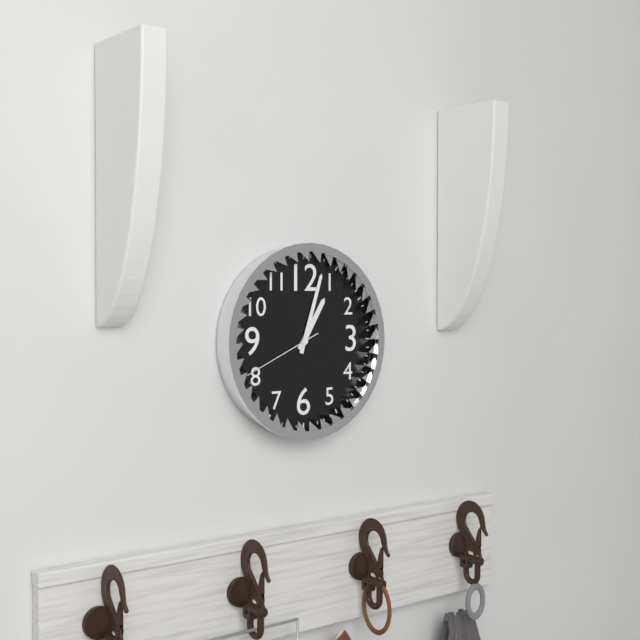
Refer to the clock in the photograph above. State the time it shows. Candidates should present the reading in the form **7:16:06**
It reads **1:03:41**
